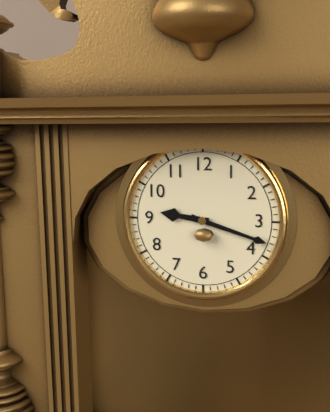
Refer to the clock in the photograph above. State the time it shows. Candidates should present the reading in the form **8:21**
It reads **9:18**
